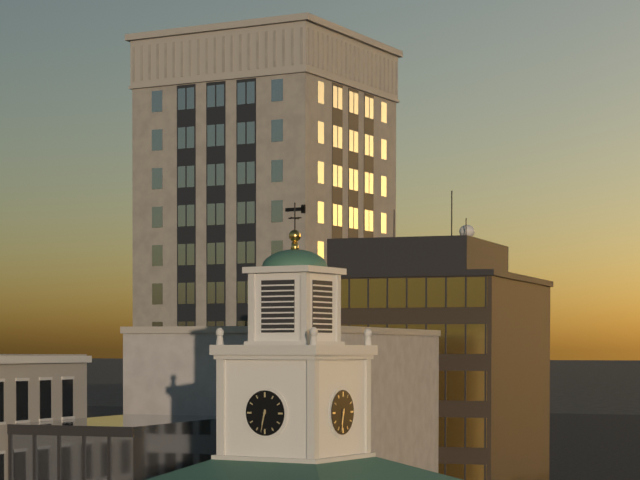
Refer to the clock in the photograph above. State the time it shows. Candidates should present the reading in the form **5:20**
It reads **6:32**
